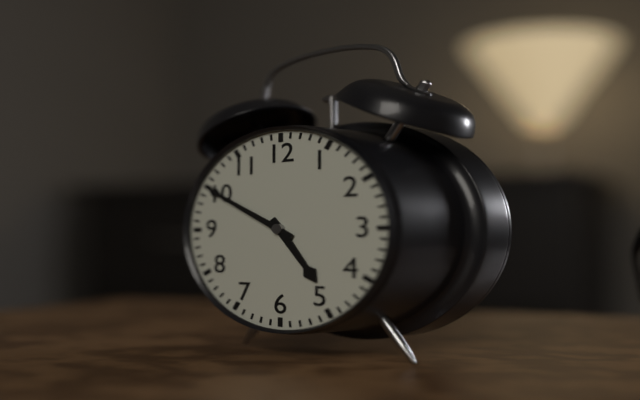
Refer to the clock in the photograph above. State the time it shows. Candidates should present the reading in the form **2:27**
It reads **4:50**
